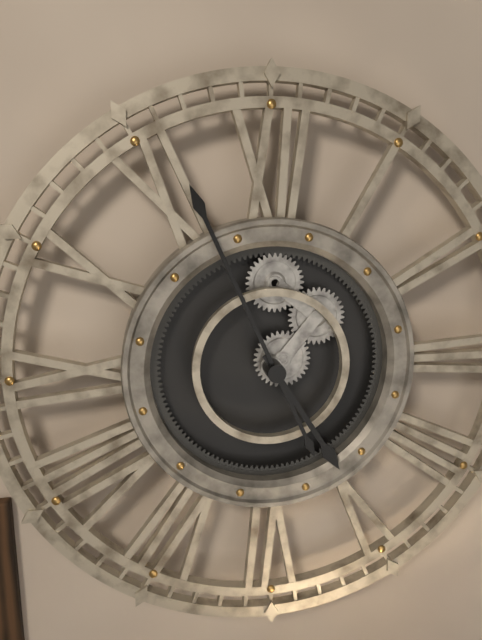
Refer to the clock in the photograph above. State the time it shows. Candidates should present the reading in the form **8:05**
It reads **4:56**
